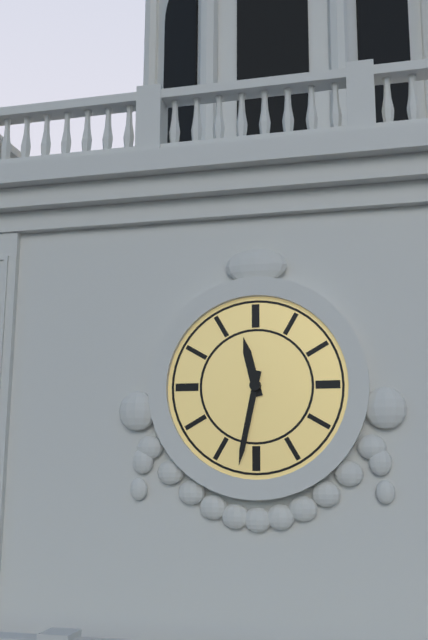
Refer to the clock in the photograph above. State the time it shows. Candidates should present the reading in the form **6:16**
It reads **11:32**
